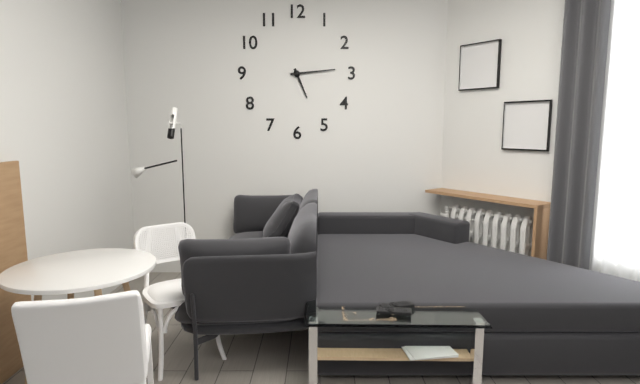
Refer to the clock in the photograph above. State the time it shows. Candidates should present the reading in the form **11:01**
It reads **5:14**
